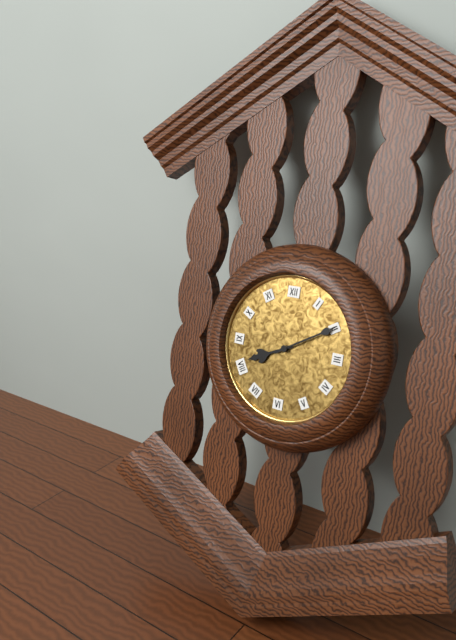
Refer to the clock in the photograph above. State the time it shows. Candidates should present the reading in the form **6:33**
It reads **8:10**
